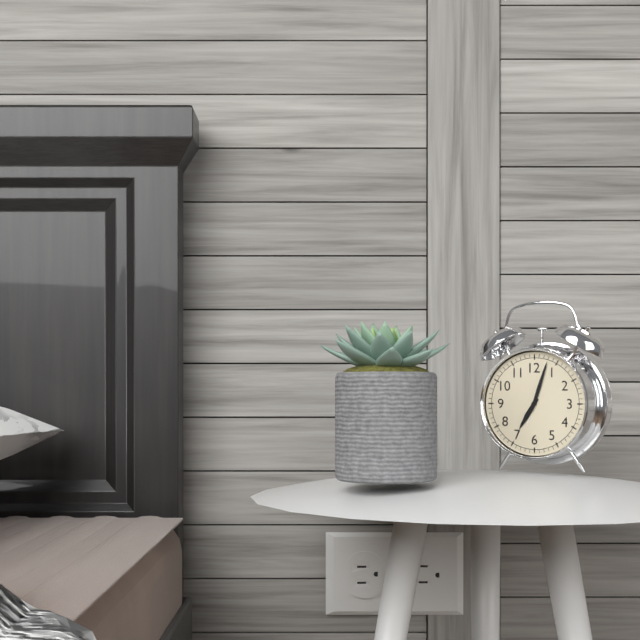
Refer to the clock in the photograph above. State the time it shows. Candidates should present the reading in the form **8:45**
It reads **7:03**
